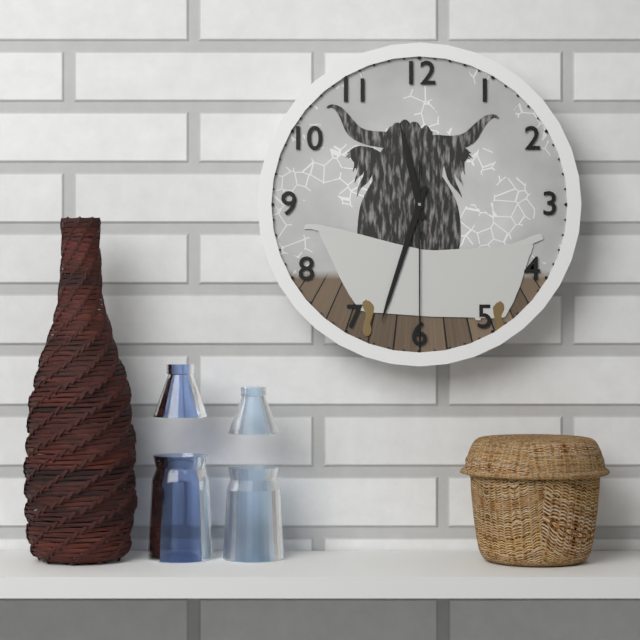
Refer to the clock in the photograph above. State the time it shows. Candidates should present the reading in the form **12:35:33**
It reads **11:33:30**
